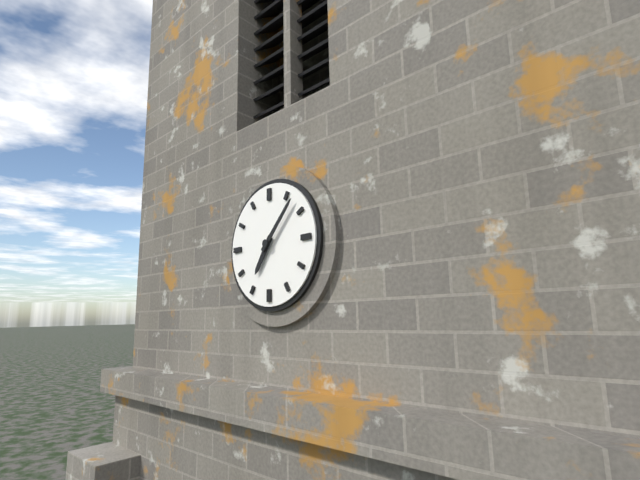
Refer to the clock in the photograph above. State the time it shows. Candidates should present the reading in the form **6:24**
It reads **7:07**
